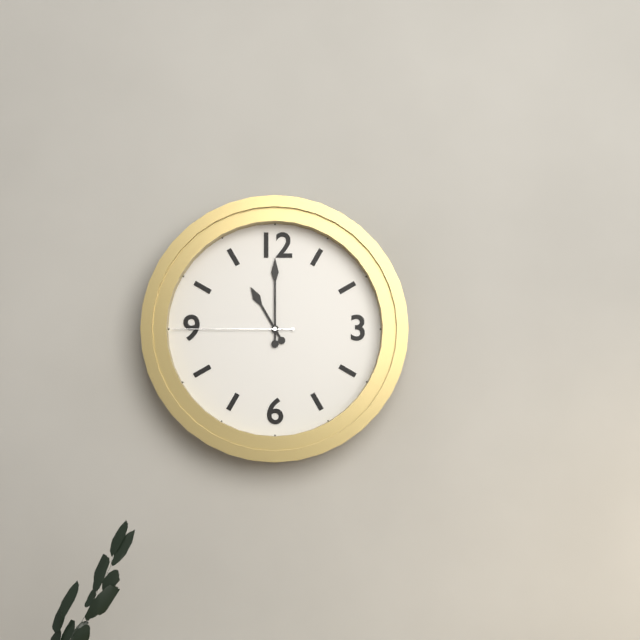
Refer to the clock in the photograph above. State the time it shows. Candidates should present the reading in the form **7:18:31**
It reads **11:00:45**
